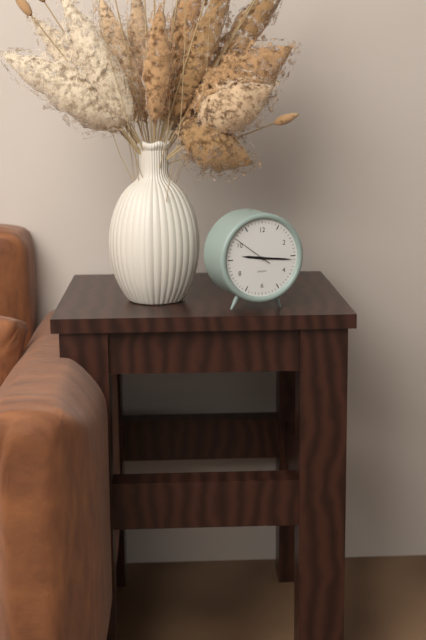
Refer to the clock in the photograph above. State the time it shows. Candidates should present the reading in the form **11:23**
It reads **9:16**
